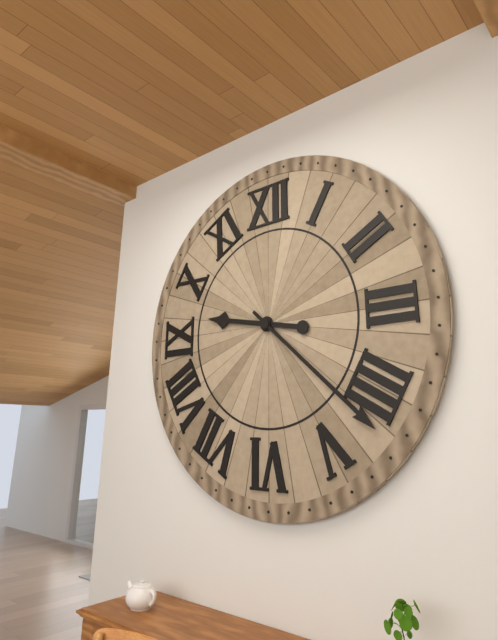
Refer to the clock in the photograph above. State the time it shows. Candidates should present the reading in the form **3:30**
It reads **9:22**
